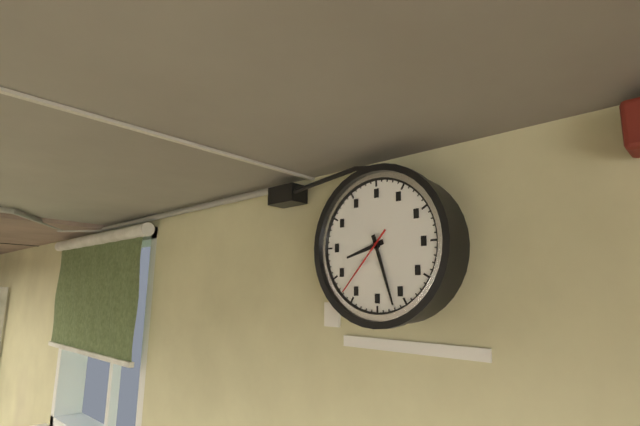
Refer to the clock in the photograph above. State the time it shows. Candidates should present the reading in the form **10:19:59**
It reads **8:27:37**
